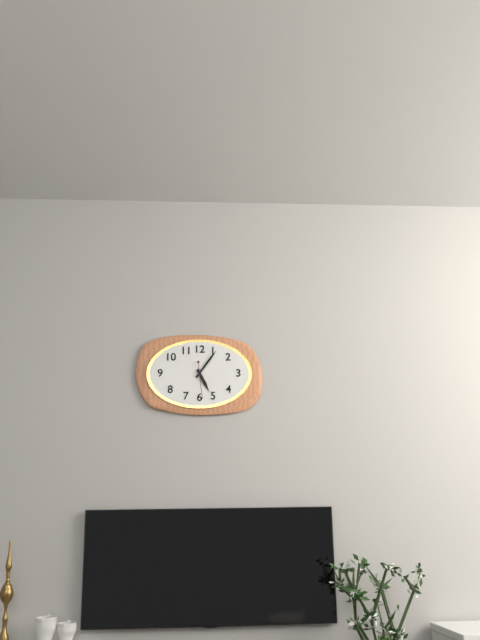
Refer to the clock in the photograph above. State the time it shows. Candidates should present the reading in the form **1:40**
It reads **5:06**
